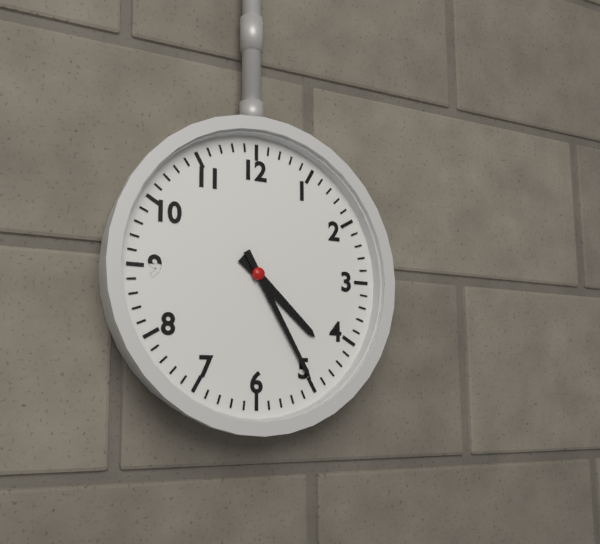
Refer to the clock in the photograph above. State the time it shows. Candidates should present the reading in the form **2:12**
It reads **4:25**
